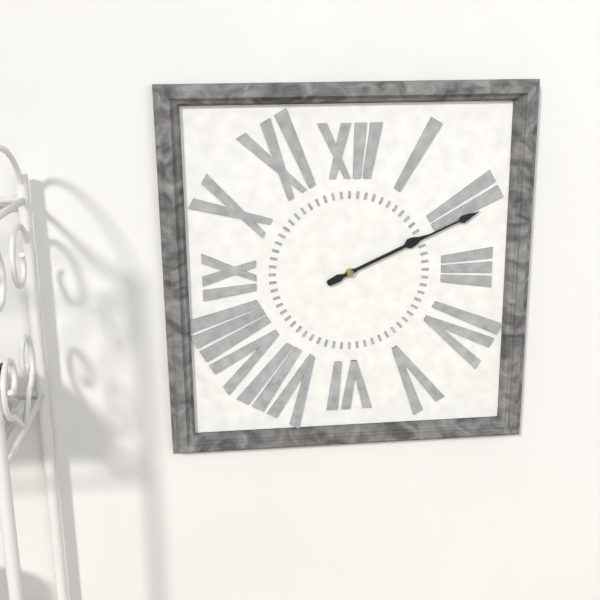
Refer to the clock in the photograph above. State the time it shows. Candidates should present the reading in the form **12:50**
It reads **2:11**
